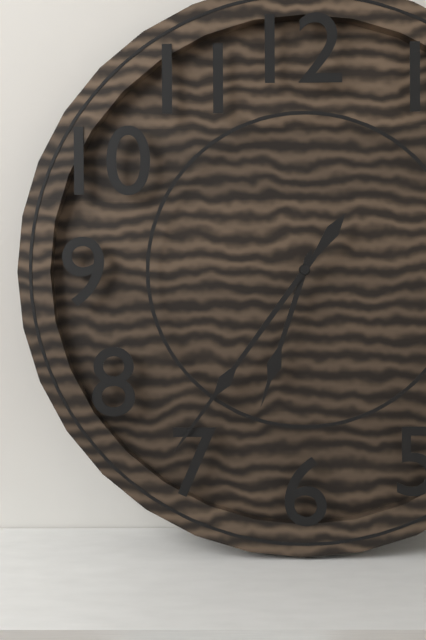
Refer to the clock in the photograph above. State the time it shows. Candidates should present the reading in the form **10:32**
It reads **6:36**
